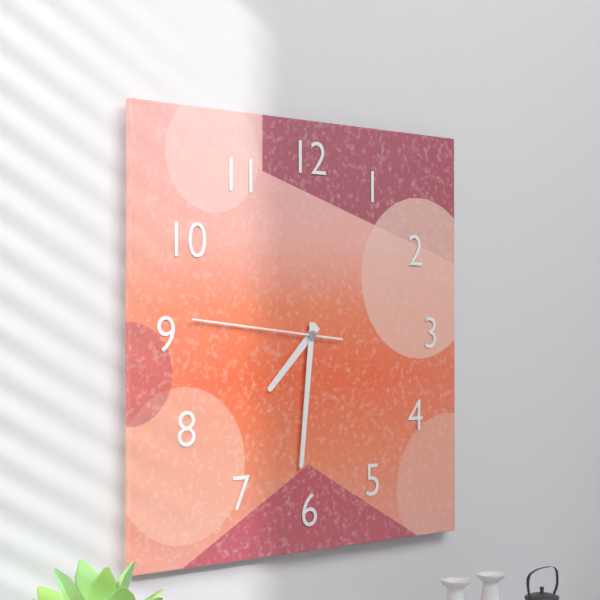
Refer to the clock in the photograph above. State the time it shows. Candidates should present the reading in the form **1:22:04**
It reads **7:31:46**
